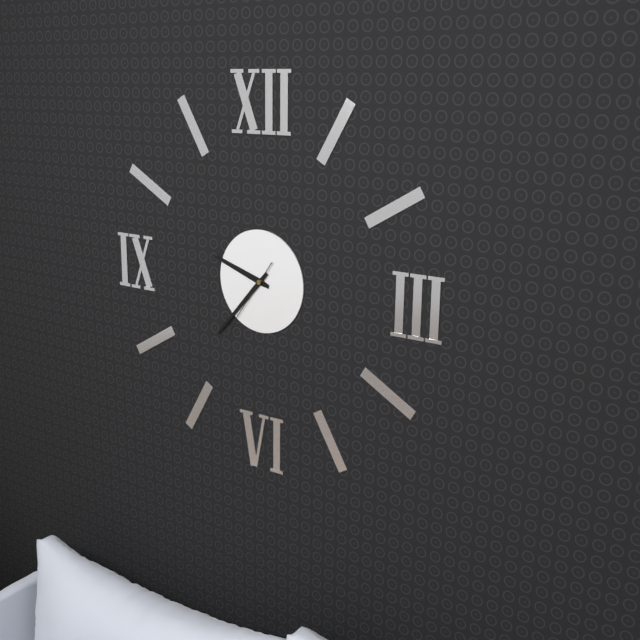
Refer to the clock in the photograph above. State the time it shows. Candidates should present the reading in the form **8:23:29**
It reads **9:37:36**
